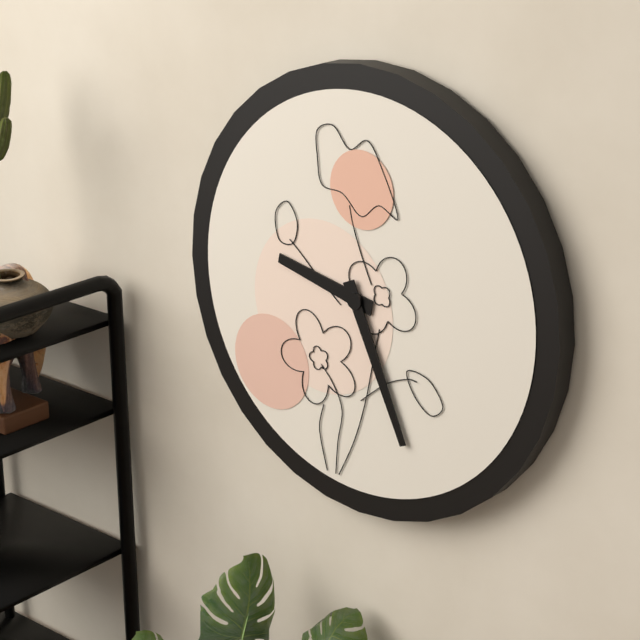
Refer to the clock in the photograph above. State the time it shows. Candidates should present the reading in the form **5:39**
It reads **9:26**
